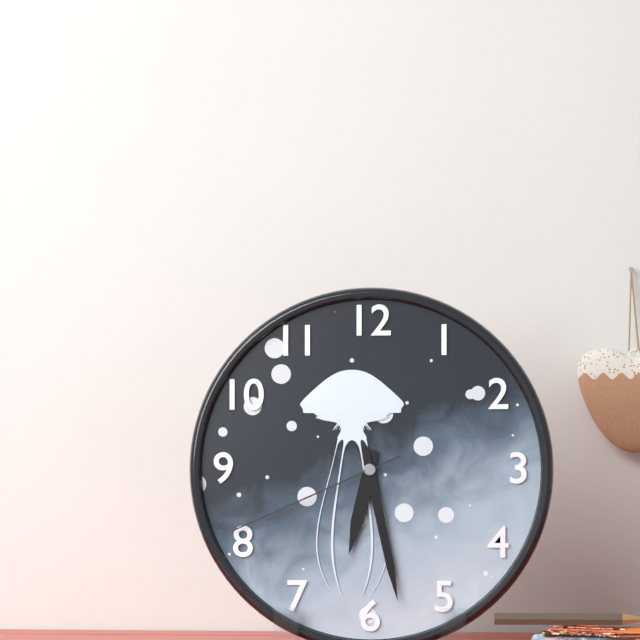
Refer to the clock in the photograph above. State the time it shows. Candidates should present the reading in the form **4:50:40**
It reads **6:28:41**
